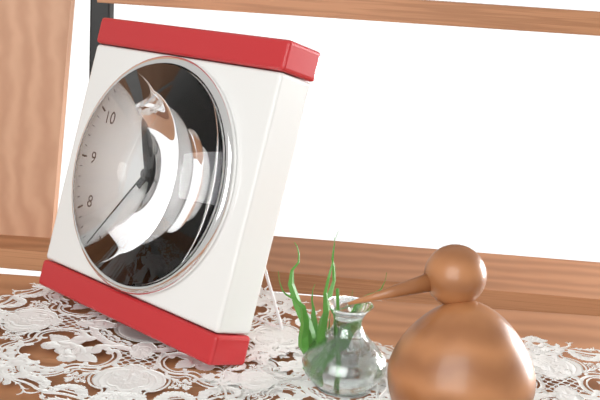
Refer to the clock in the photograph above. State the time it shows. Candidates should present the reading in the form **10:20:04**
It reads **11:05:36**
